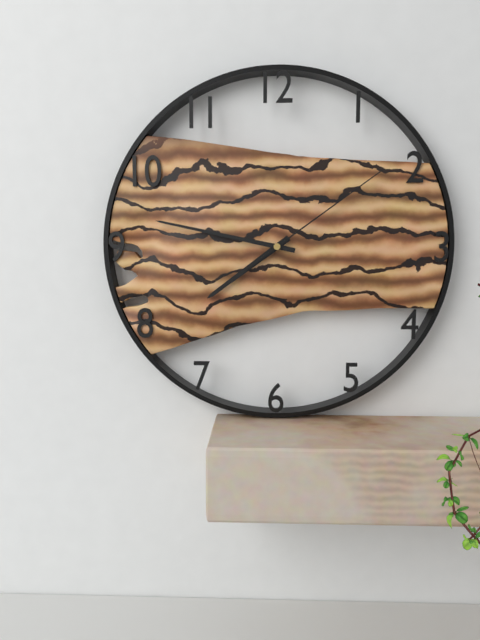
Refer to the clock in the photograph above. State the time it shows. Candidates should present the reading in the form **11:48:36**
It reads **7:47:09**
